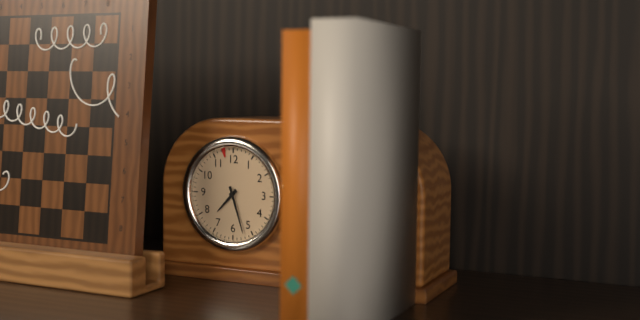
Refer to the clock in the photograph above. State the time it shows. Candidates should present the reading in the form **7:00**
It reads **7:27**
